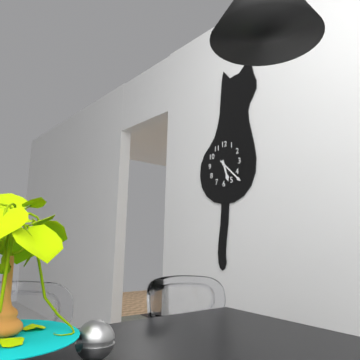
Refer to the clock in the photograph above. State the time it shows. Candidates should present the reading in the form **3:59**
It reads **5:22**
